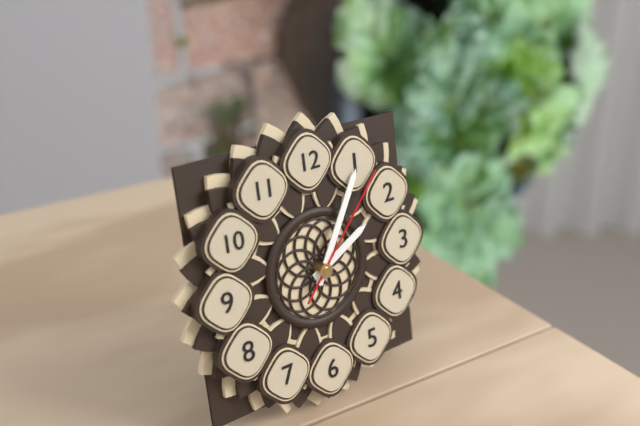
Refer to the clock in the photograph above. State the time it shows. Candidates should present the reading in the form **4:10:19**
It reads **2:05:07**
